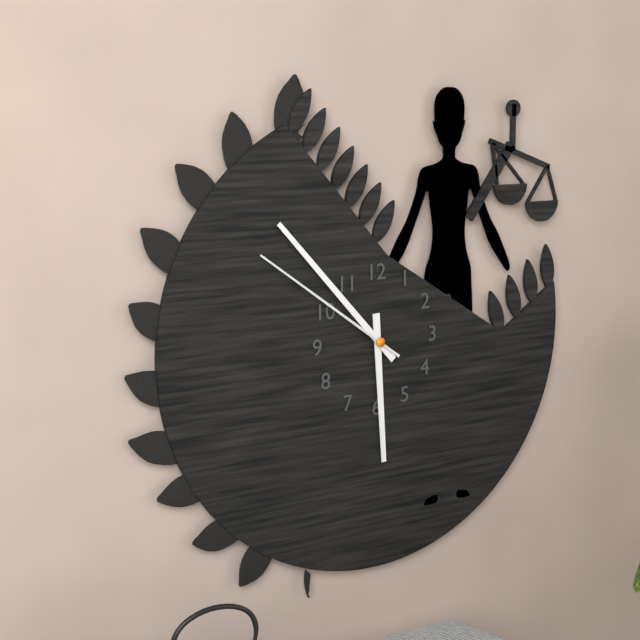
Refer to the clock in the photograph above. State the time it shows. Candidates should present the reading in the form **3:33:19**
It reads **5:53:51**
